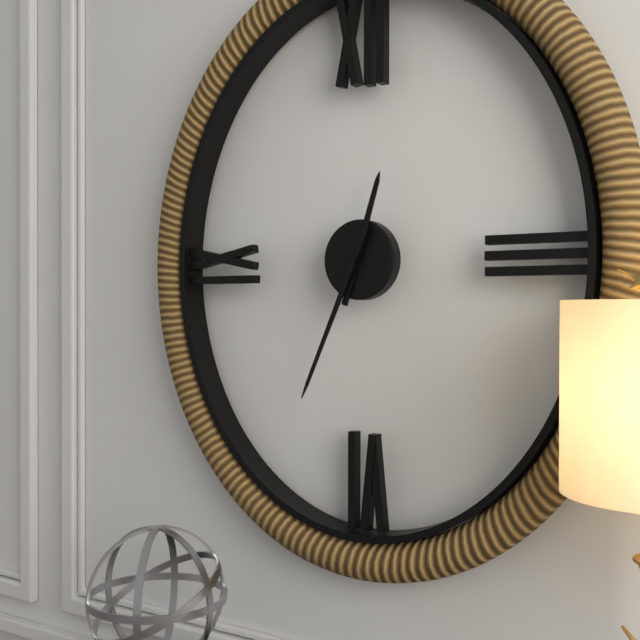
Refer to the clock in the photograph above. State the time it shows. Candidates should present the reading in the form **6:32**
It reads **12:34**
